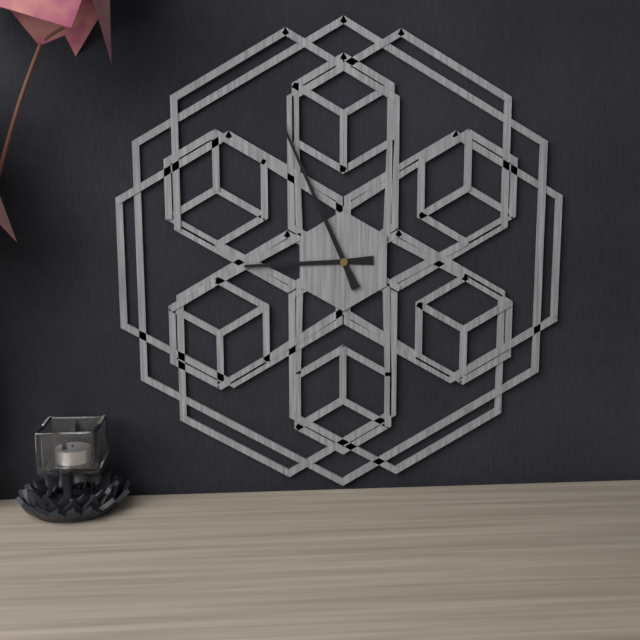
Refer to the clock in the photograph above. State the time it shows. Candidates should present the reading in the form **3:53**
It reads **8:56**
